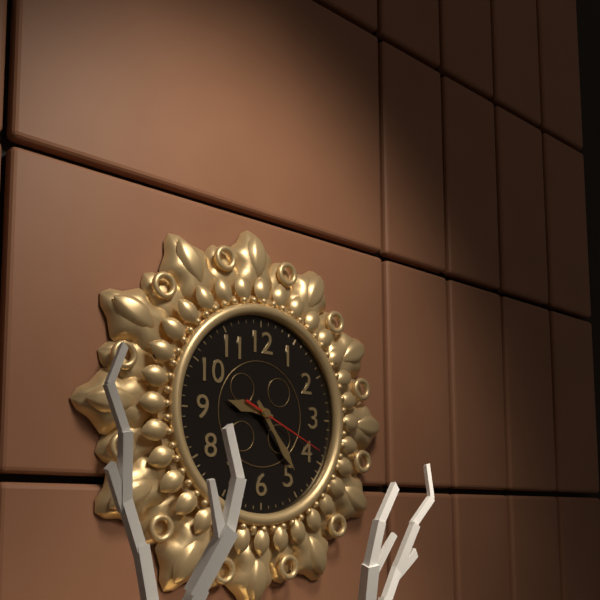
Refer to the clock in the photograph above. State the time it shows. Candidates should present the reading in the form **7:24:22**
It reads **9:24:19**
